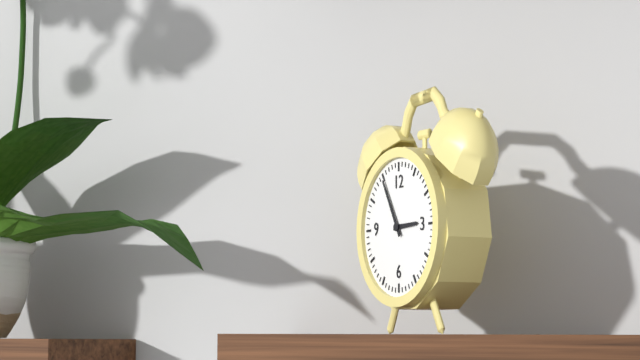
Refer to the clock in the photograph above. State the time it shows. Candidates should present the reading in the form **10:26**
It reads **2:55**
